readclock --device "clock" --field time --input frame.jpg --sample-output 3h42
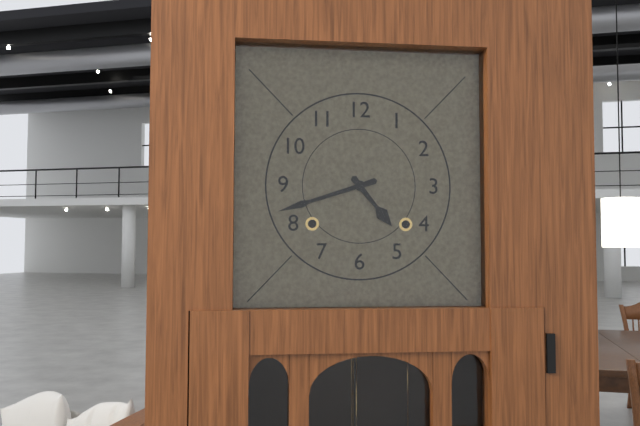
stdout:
4h42
